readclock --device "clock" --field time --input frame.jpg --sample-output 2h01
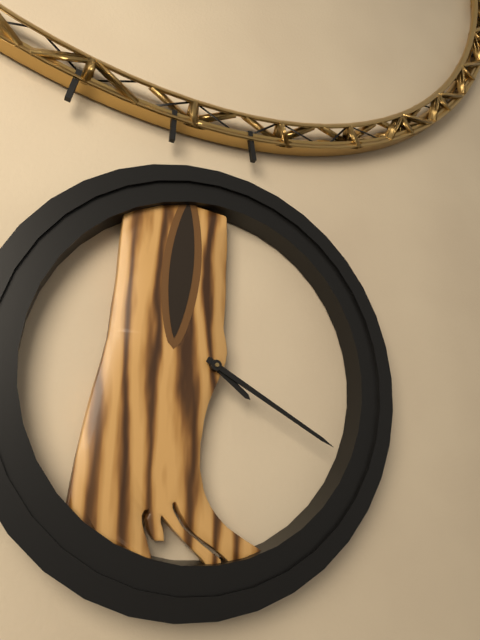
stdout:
4h20
